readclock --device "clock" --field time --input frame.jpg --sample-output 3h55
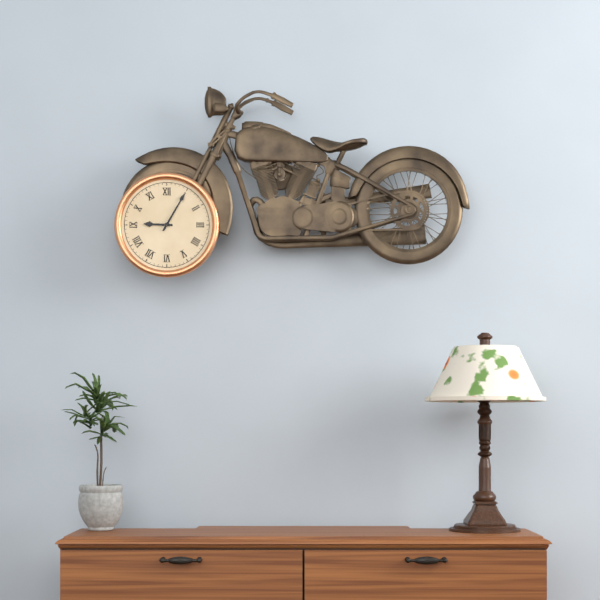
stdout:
9h05
